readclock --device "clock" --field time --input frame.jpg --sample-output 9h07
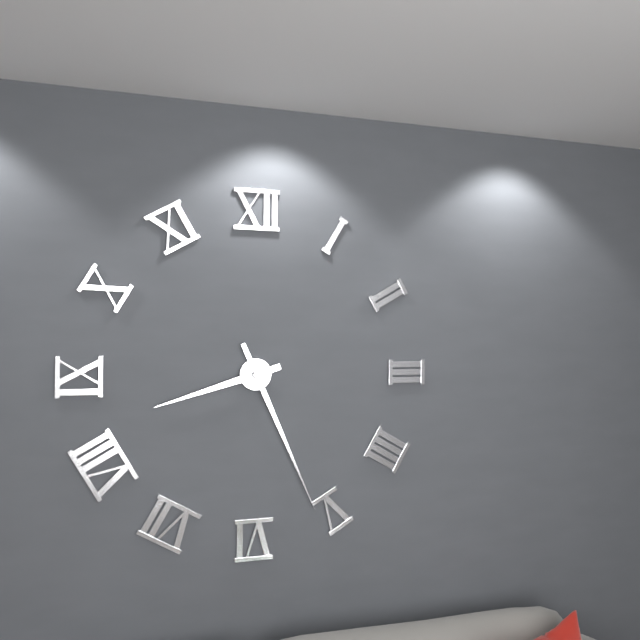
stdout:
8h26
